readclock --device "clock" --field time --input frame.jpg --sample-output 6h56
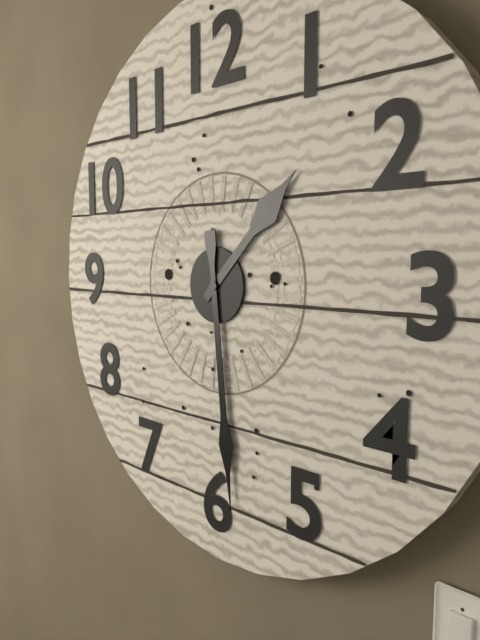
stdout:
1h29
